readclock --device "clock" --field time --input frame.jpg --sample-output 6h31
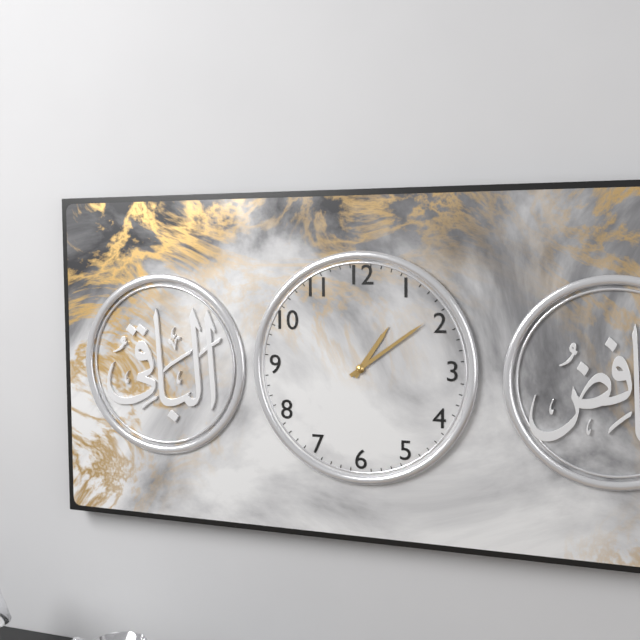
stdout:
1h09
